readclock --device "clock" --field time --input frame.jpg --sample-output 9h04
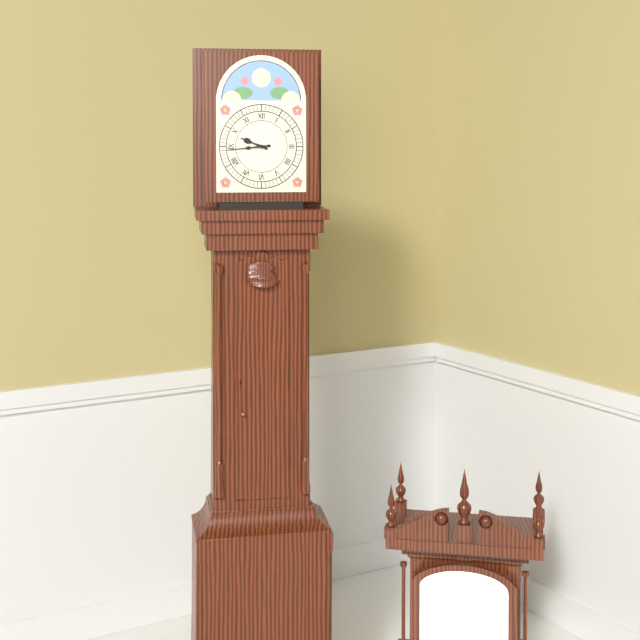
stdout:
9h44
